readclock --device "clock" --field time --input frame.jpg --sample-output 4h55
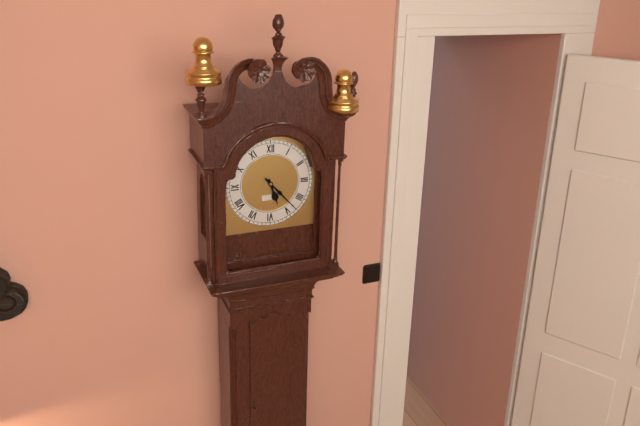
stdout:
5h23
